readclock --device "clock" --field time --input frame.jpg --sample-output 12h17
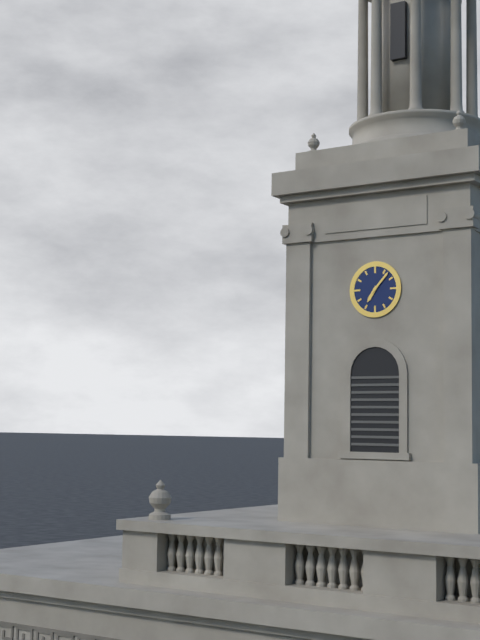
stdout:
7h07
